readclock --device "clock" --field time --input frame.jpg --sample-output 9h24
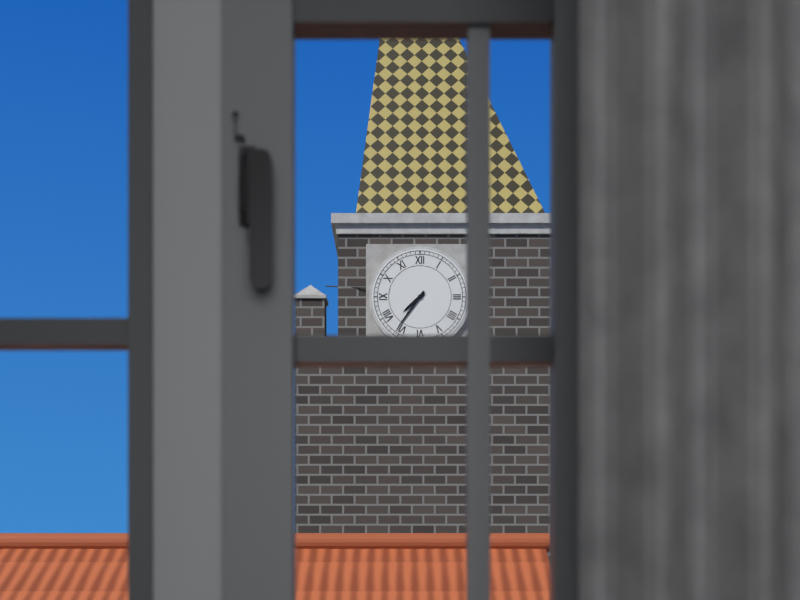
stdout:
7h36
